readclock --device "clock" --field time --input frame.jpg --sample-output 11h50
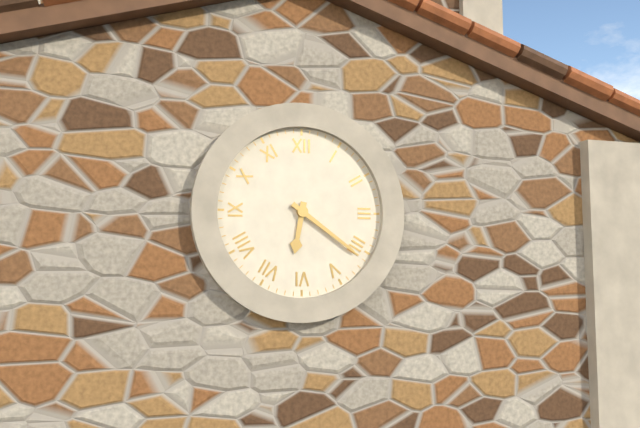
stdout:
6h21
